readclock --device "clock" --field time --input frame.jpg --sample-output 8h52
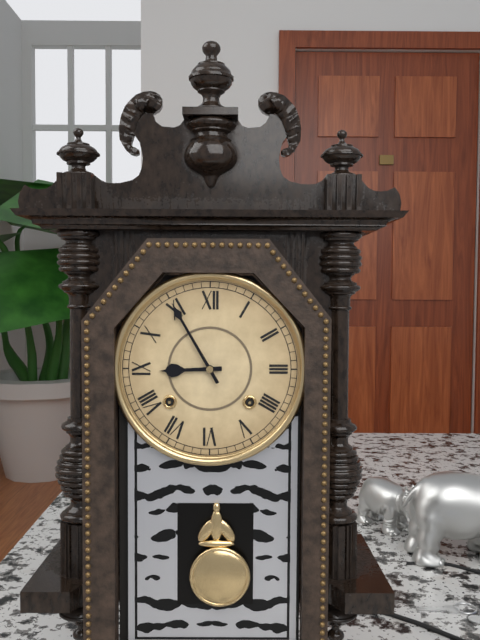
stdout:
8h55
